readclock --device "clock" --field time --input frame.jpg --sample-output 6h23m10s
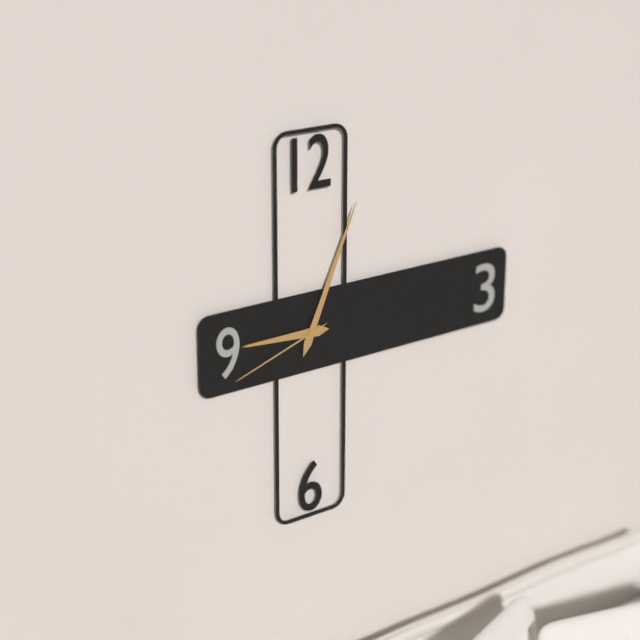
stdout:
9h04m42s
